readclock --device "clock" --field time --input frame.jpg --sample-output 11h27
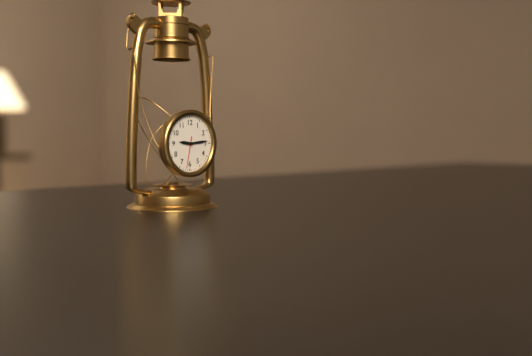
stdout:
9h14
